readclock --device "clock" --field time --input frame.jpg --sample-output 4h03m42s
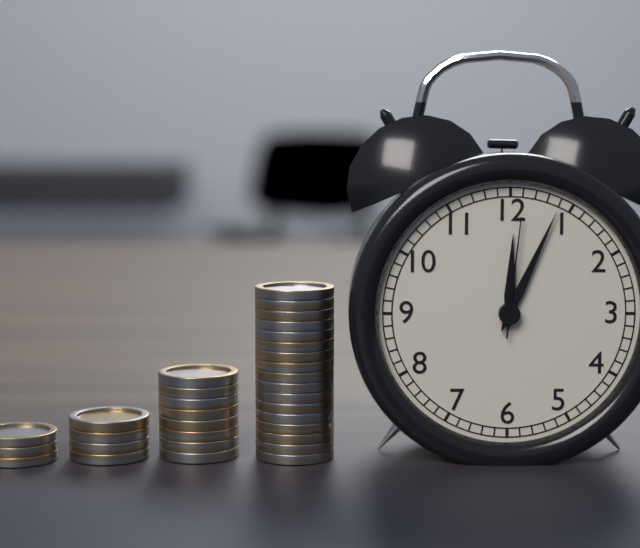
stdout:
12h04m01s
